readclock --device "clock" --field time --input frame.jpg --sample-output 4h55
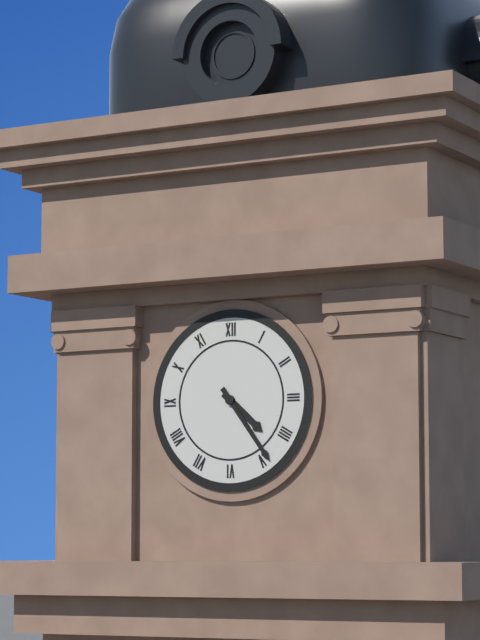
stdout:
4h24
